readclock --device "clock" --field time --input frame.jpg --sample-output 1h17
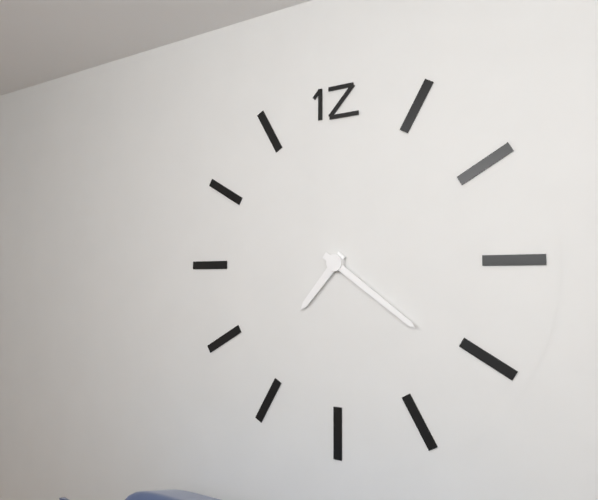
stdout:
7h21
